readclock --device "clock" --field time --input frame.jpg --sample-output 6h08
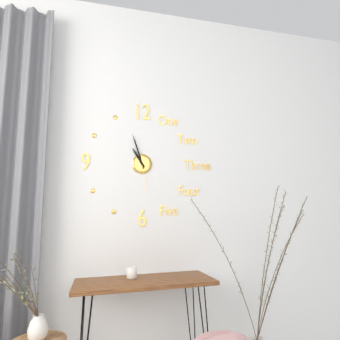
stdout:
10h57
